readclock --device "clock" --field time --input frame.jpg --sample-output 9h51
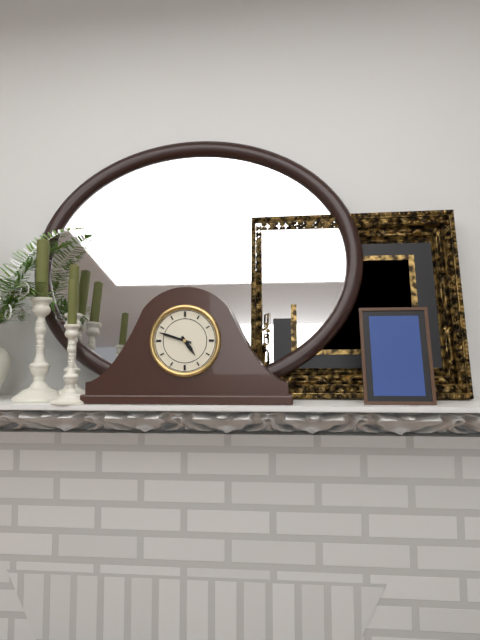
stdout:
4h48
